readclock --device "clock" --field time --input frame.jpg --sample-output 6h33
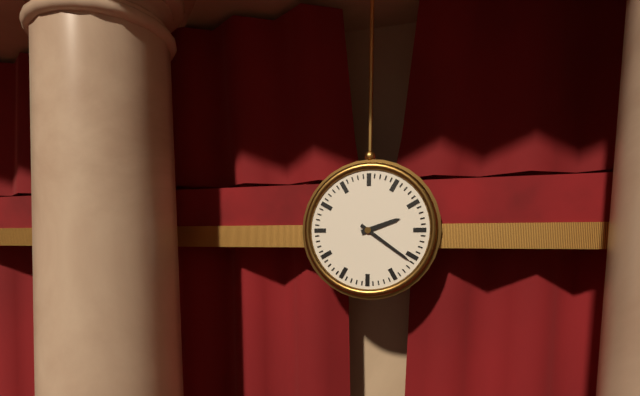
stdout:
2h21
